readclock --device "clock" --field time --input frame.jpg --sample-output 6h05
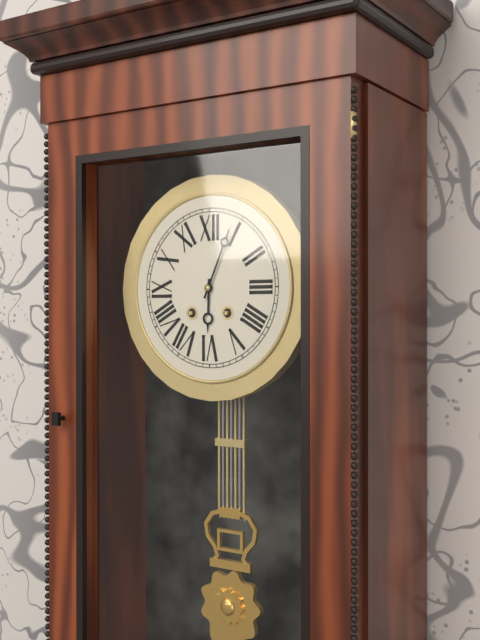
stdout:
6h04
